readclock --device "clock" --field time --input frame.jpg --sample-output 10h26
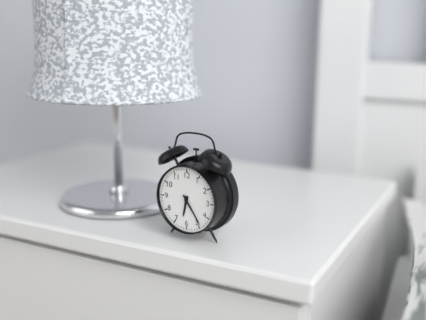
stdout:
6h24
